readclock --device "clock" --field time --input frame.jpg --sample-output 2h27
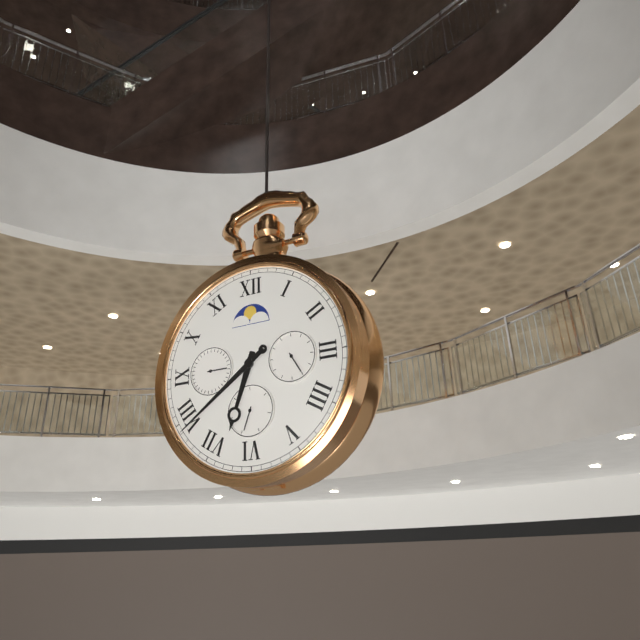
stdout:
6h39
